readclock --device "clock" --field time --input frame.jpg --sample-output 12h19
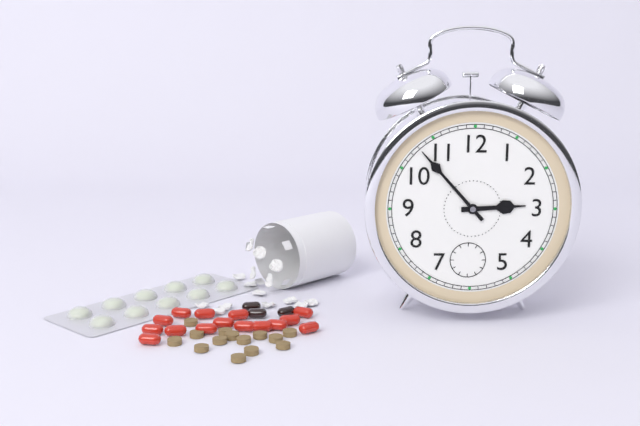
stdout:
2h53
